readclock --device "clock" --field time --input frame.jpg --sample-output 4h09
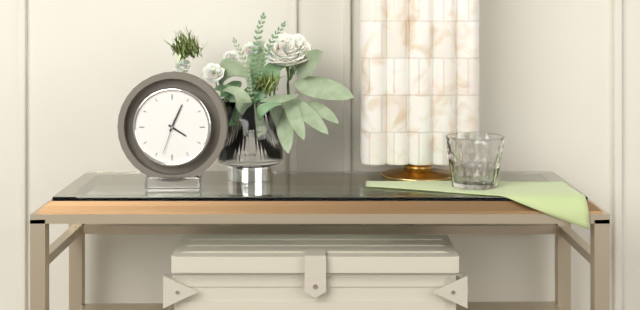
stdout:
4h04
